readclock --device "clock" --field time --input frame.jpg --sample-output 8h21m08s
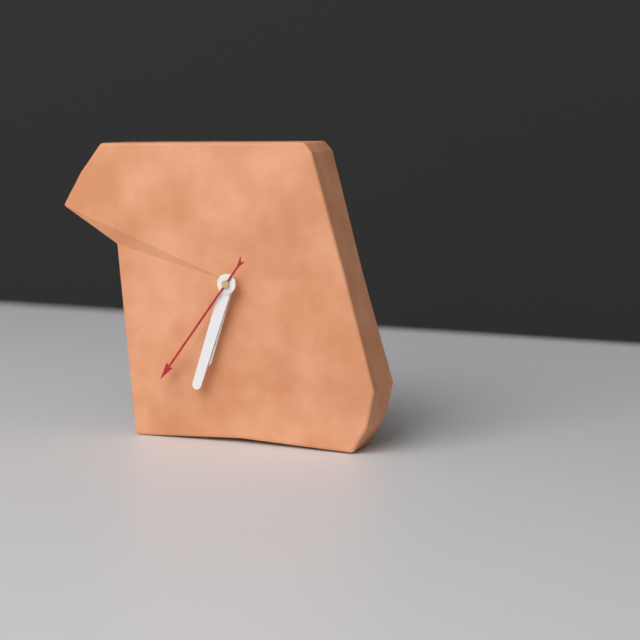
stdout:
6h33m36s
